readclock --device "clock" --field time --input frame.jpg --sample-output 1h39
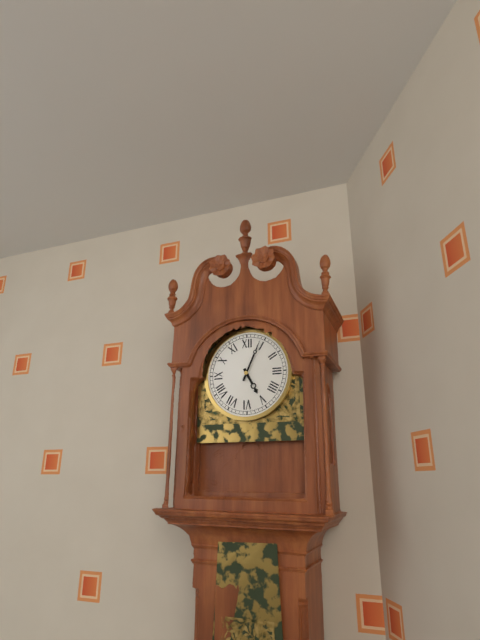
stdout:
5h04
